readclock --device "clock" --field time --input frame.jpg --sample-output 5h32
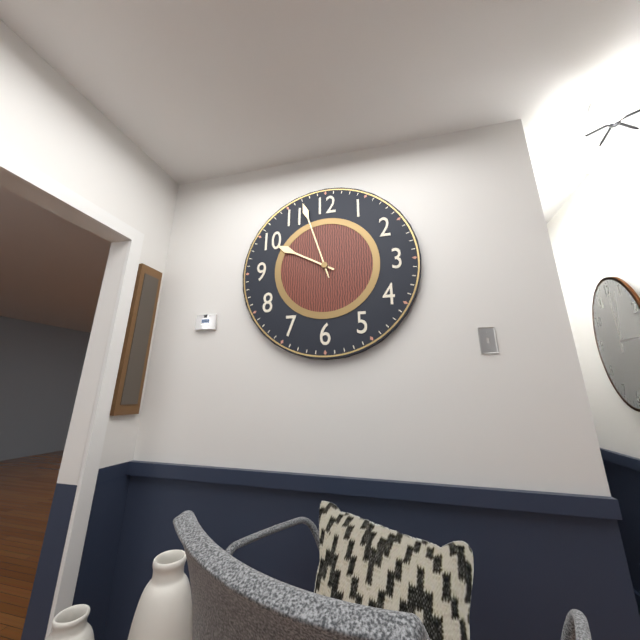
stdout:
9h57
